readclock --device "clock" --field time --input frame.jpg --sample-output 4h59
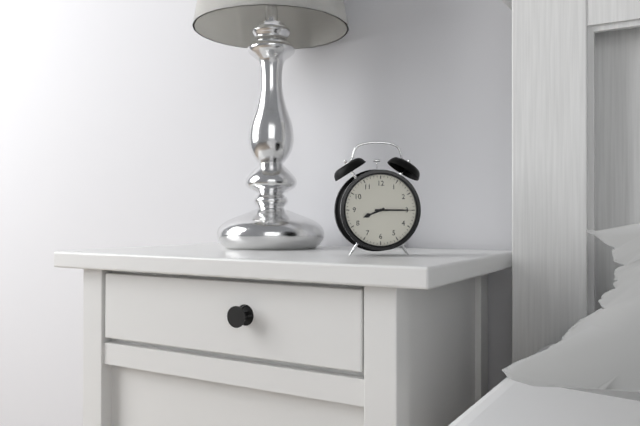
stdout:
8h15
